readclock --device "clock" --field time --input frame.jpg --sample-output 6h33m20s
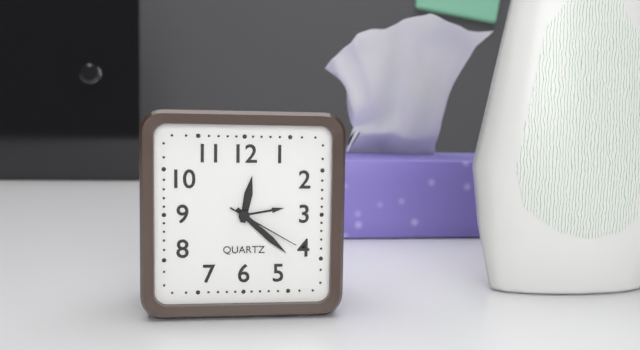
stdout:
12h22m20s
